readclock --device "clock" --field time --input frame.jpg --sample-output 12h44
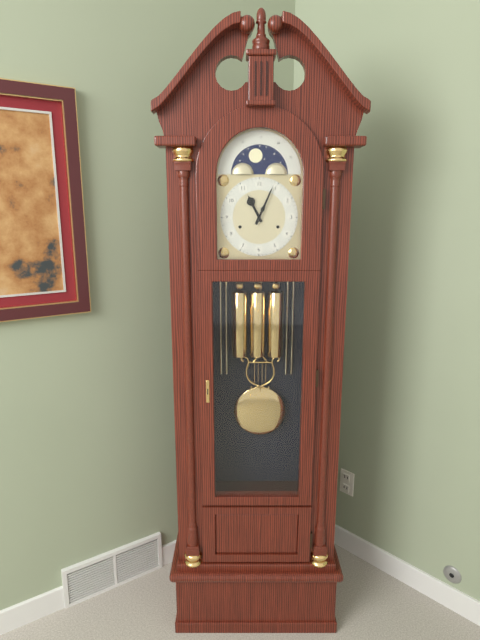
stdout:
11h04
